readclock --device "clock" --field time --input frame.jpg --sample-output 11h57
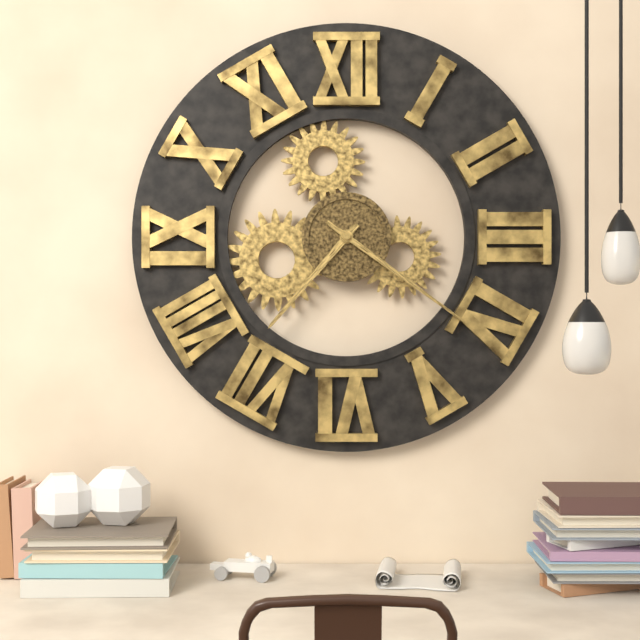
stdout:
7h21
